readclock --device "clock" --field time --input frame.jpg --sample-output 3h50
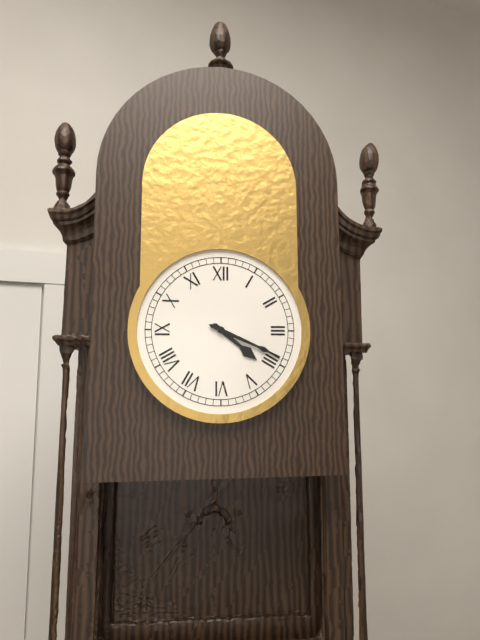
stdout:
4h19
